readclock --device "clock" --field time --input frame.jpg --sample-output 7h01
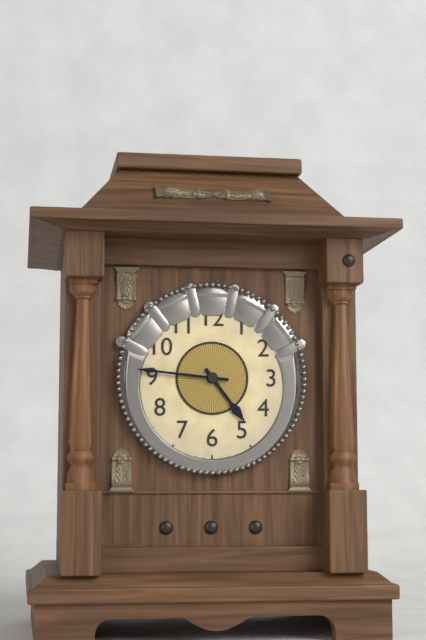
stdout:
4h46
